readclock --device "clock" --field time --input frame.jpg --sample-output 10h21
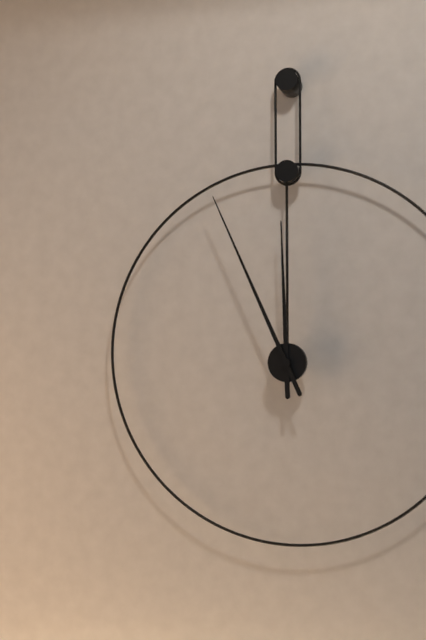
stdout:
11h56
